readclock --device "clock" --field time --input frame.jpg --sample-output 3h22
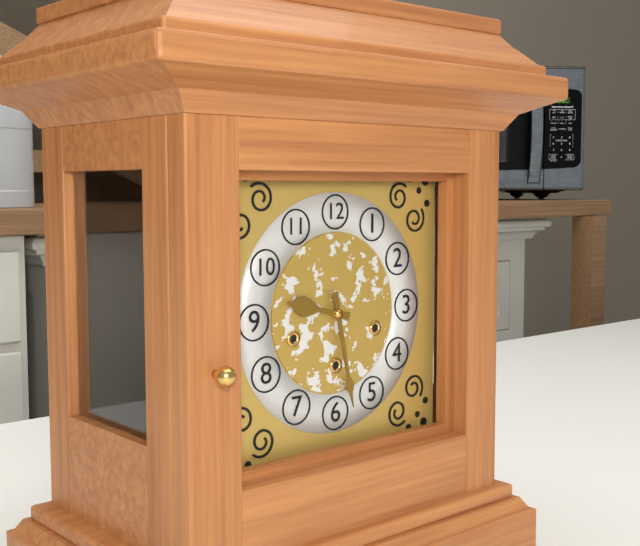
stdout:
9h28
